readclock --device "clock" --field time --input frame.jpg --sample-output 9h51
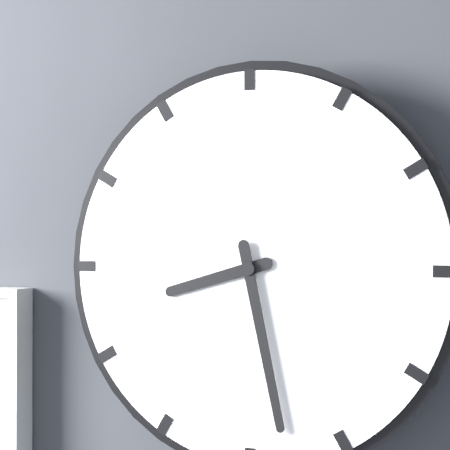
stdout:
8h28
